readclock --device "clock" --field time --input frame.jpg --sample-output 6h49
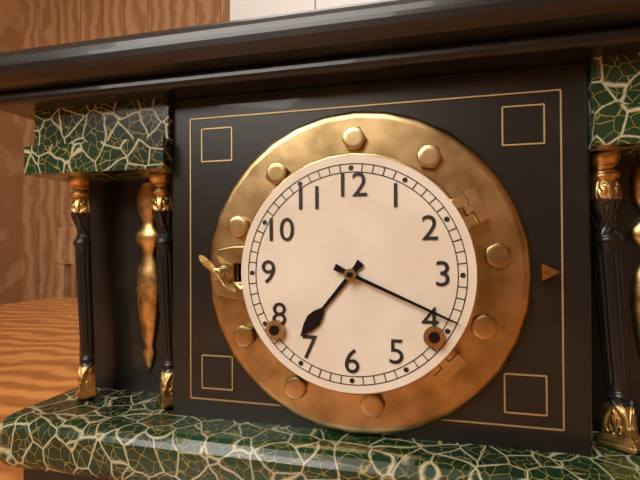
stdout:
7h19
